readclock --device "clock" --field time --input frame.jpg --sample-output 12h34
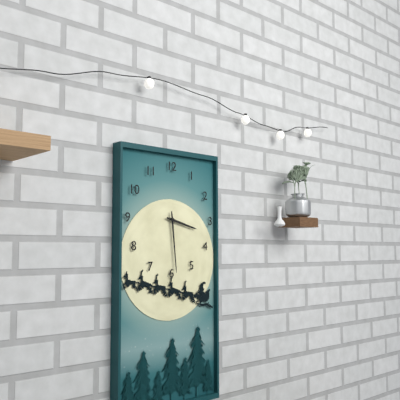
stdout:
3h29
